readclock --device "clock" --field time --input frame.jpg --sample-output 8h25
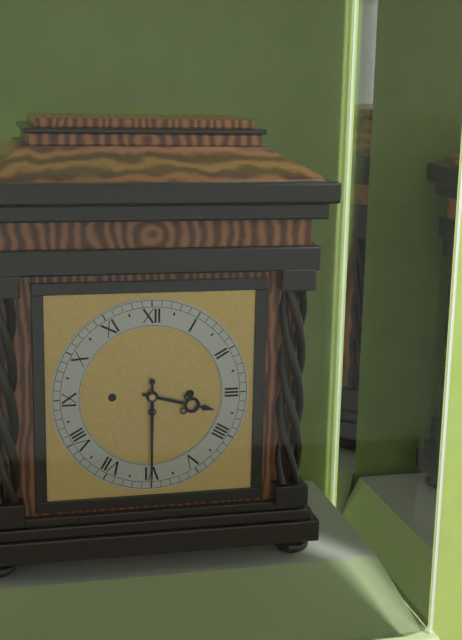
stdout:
3h30
